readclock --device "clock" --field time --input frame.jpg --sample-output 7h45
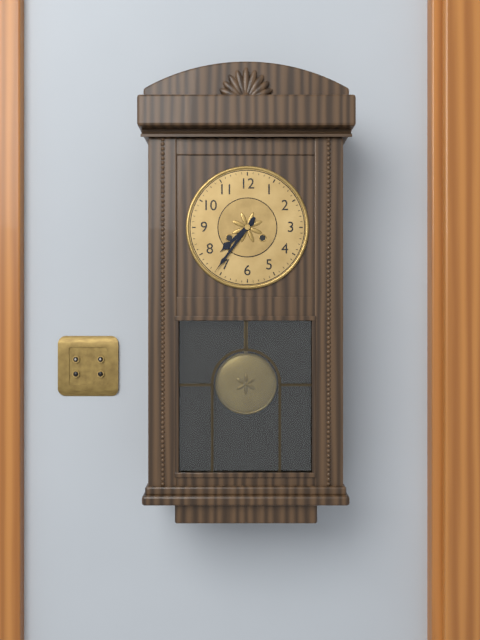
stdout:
7h36
